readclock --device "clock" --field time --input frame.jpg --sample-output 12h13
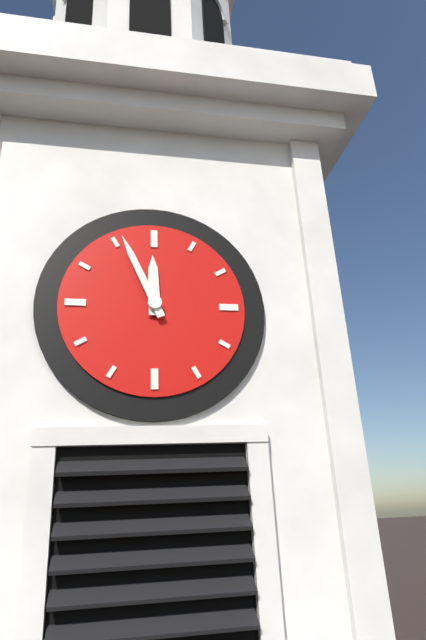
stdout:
11h56
